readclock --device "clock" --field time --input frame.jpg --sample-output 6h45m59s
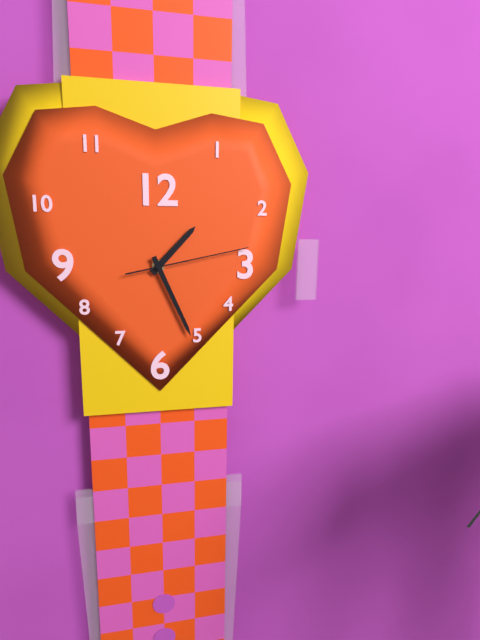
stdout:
1h26m13s
